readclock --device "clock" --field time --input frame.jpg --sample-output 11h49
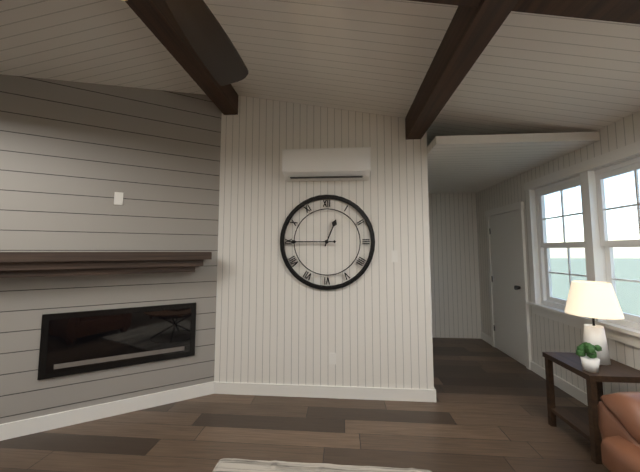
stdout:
12h45
